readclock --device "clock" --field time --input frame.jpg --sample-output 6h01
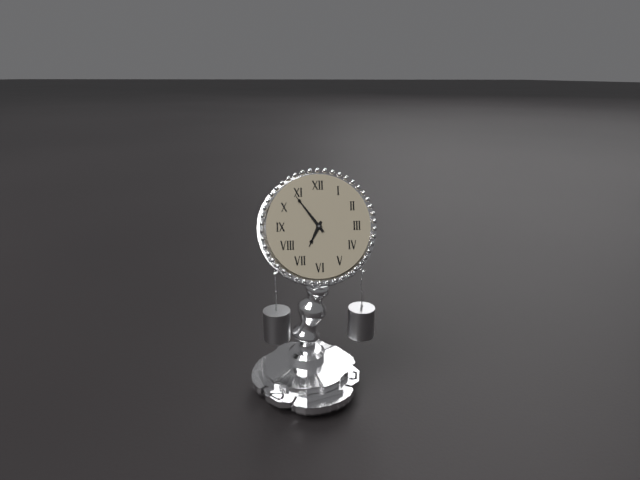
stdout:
6h54
